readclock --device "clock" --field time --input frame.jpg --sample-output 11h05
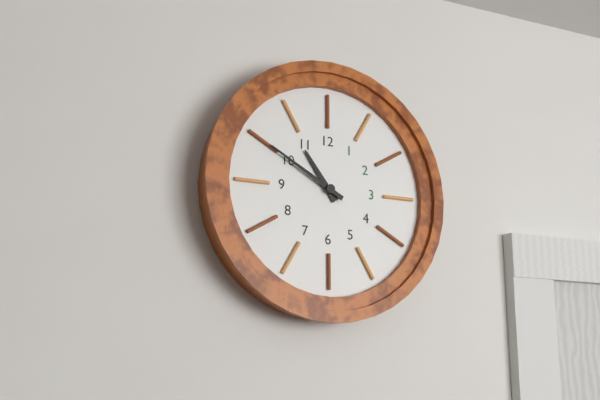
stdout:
10h50
